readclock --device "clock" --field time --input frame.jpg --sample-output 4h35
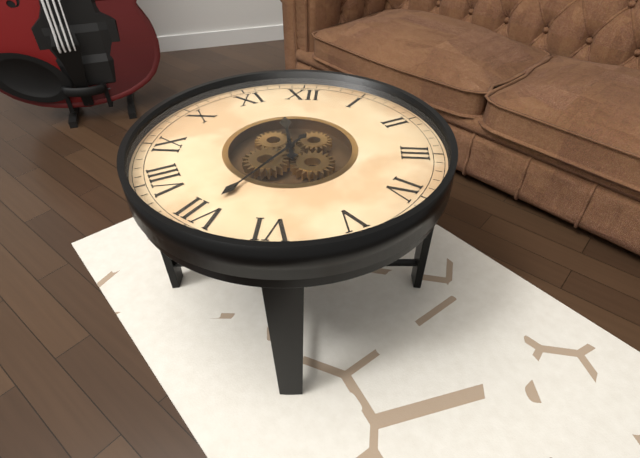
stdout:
11h35
